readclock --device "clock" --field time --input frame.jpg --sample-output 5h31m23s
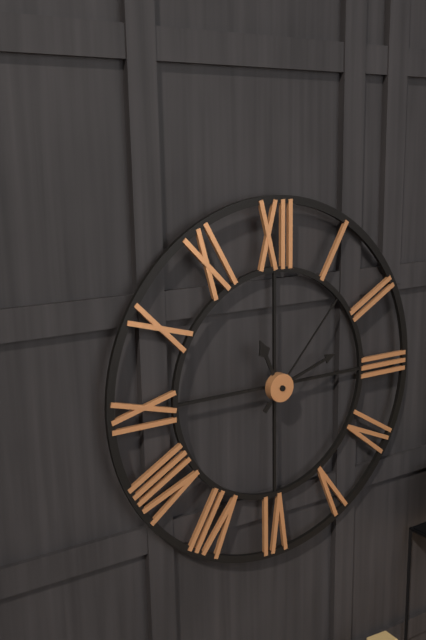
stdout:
11h12m07s
